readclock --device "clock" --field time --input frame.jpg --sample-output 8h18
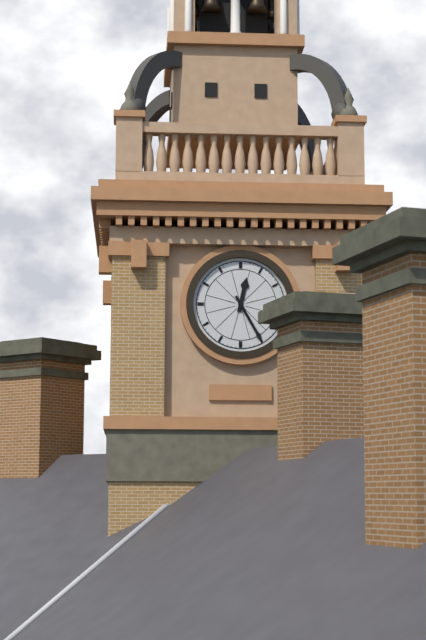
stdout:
12h25
